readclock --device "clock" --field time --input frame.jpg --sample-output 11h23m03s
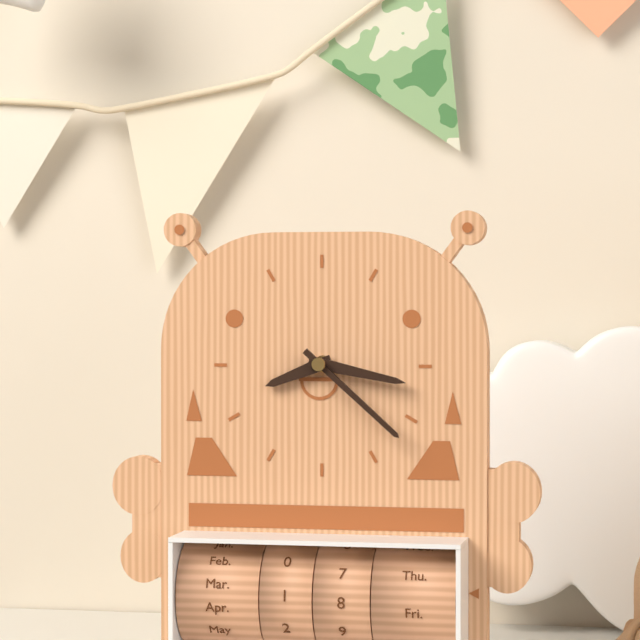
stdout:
8h17m22s
